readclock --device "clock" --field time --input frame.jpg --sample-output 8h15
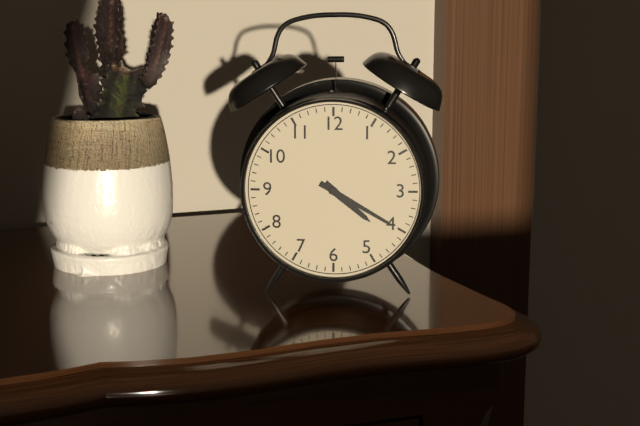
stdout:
4h20
